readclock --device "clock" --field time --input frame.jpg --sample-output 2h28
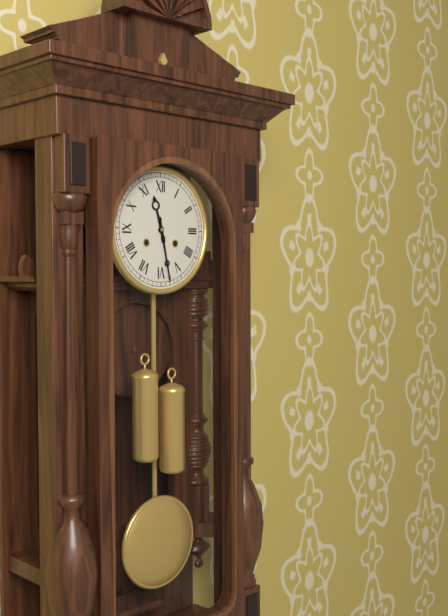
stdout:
11h28
